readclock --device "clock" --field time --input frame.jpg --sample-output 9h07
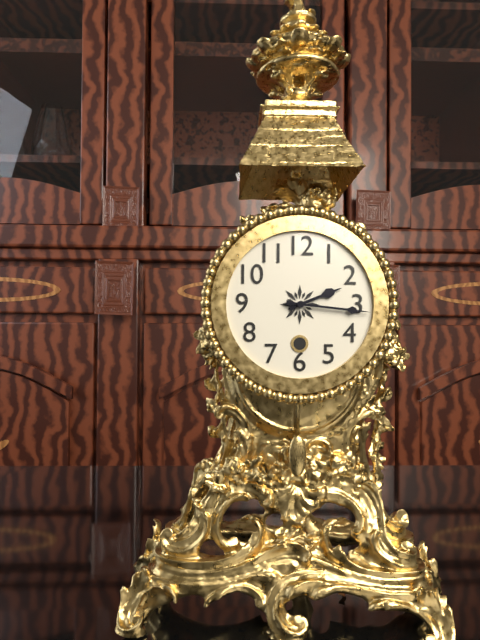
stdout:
2h16
